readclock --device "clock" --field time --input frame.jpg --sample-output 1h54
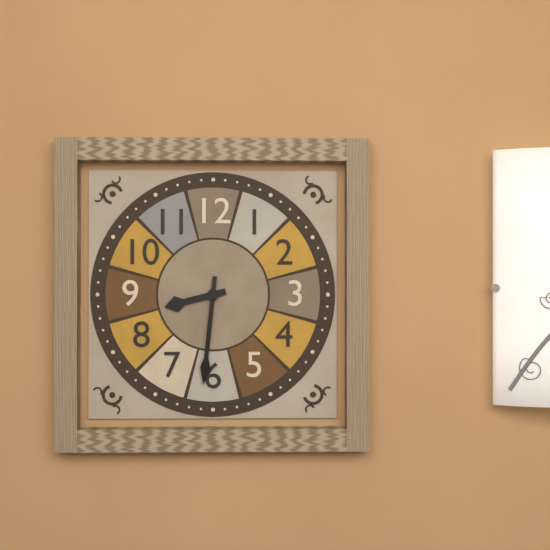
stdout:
8h31
